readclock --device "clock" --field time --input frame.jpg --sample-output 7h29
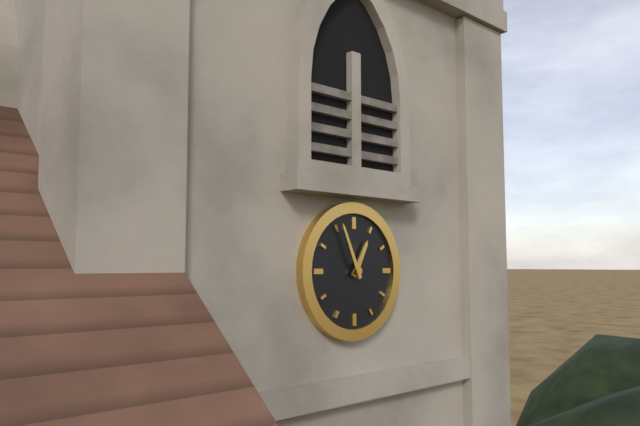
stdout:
12h56
